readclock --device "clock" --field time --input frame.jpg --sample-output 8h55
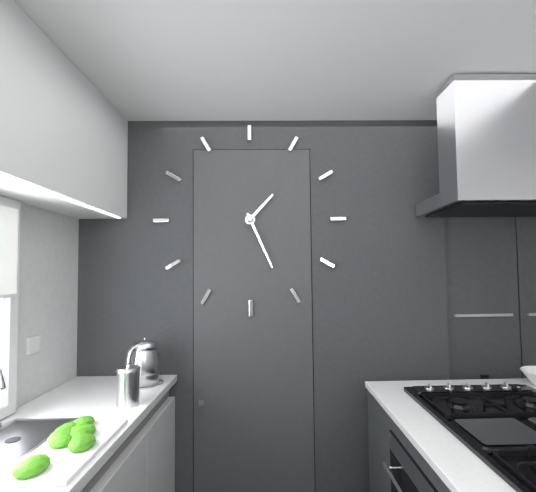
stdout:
1h26
